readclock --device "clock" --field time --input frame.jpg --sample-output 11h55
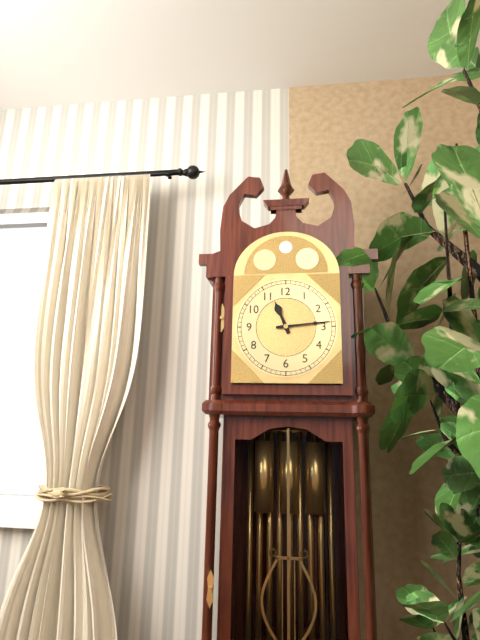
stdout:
11h14
